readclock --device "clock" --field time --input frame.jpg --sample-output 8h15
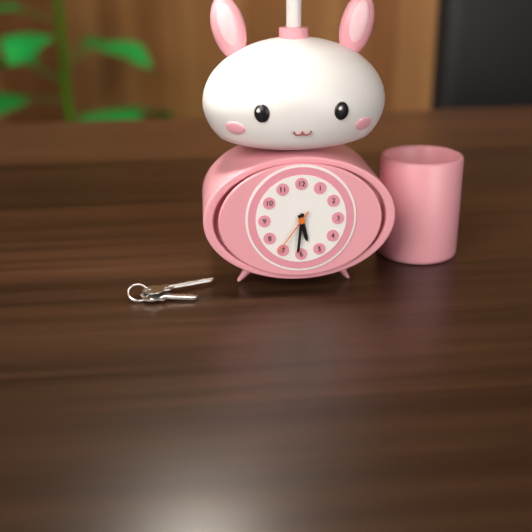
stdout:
5h31
